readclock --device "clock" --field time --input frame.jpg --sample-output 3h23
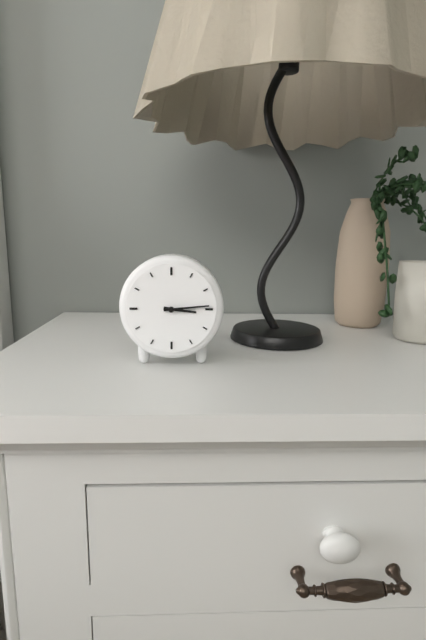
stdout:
3h14
